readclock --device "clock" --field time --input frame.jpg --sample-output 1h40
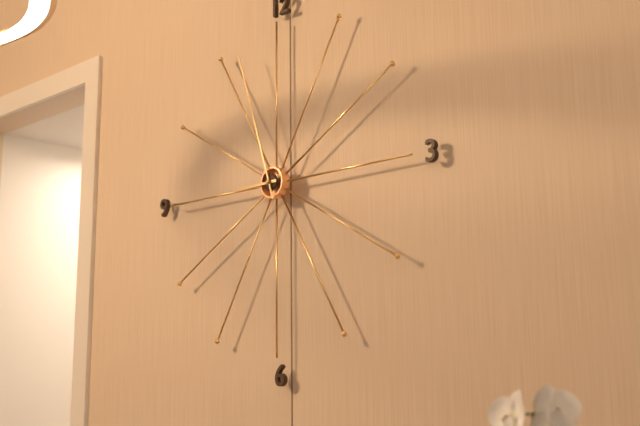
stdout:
8h57
